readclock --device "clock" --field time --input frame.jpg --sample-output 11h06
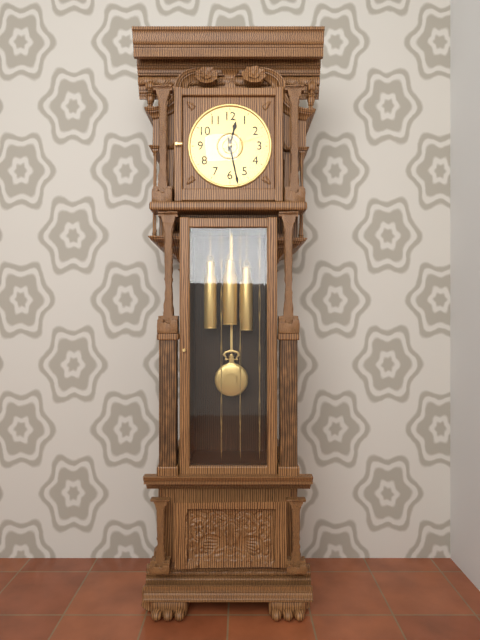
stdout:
12h28
